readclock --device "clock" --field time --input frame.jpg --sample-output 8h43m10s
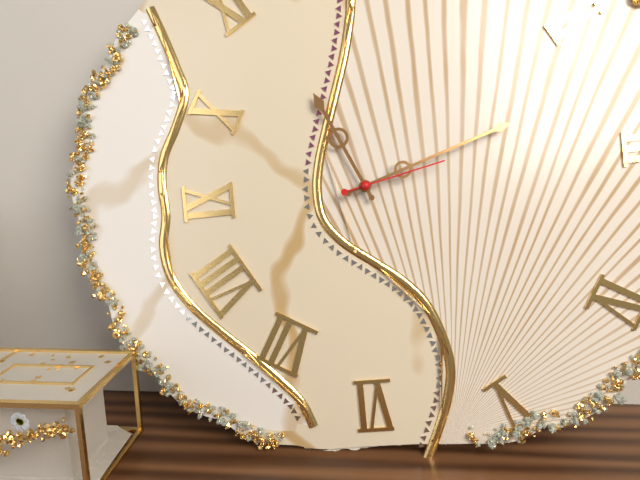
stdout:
11h12m13s
